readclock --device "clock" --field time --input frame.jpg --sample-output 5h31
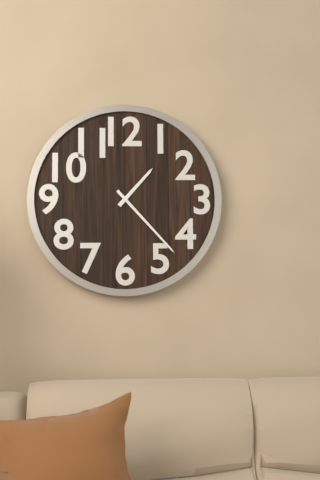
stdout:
1h23
